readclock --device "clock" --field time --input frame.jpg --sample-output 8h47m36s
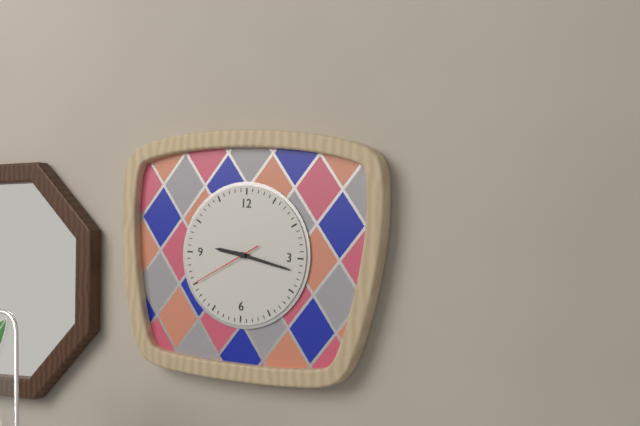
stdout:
9h17m40s
